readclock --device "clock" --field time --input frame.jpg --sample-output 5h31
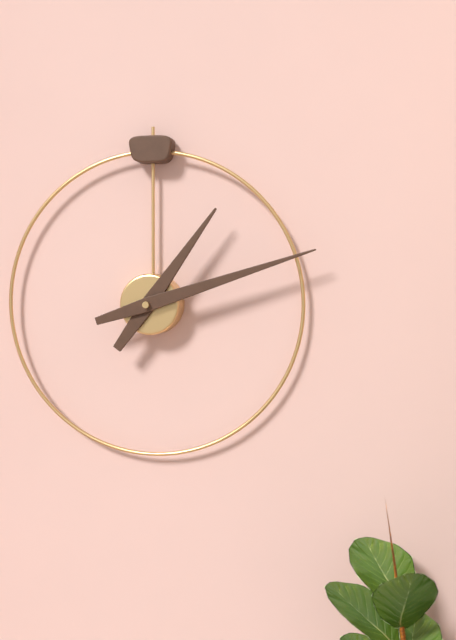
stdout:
1h12
